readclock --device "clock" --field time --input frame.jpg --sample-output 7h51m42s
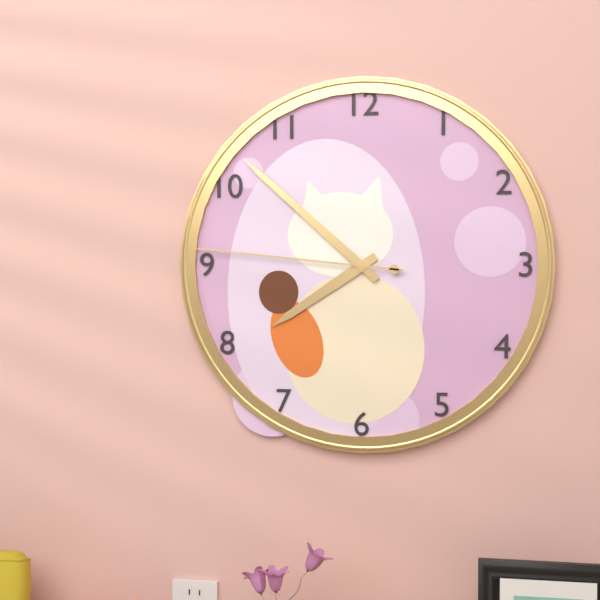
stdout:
7h52m46s
